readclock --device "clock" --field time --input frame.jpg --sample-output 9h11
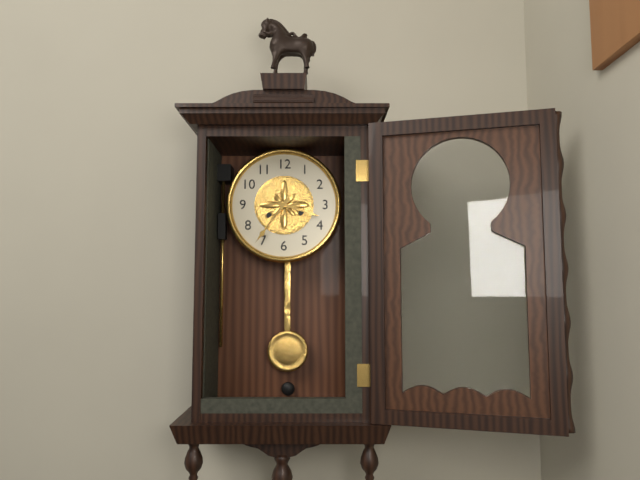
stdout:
3h36
